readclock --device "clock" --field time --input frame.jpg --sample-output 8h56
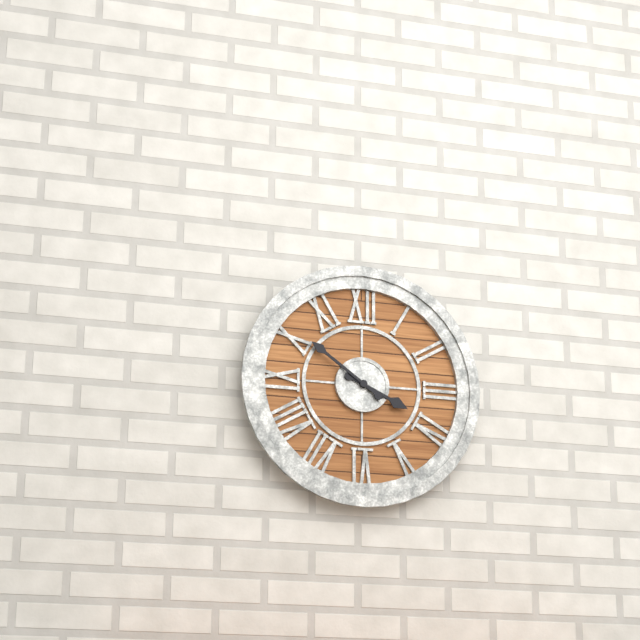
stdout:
3h51
